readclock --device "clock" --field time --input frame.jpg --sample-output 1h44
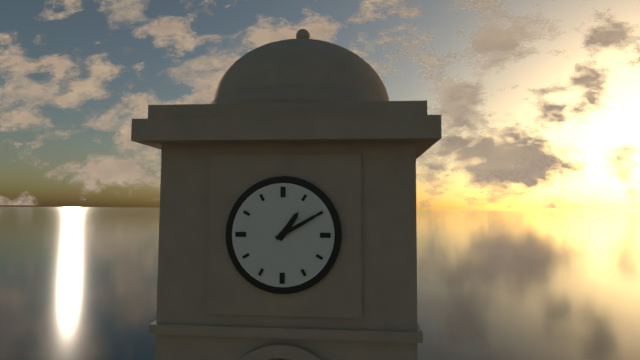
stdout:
1h10
